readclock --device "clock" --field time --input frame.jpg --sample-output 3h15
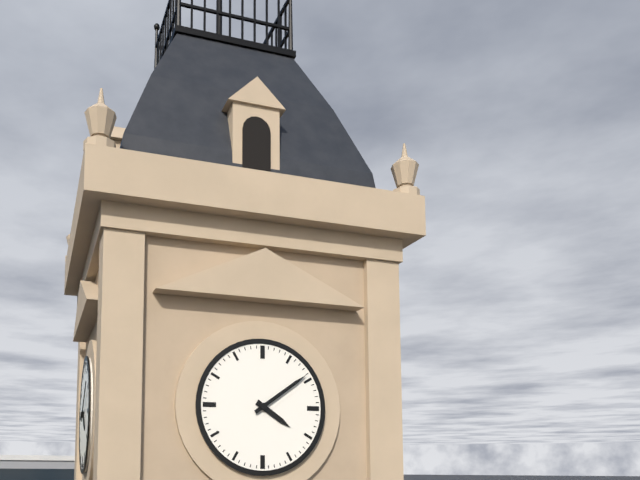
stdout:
4h09
